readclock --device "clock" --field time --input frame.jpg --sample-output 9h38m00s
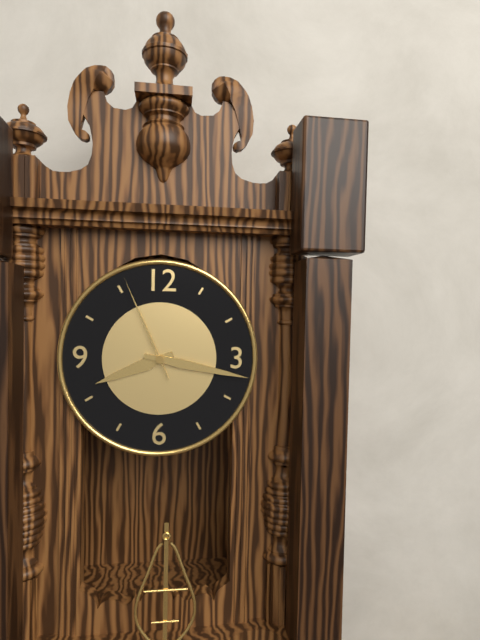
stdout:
8h17m56s
